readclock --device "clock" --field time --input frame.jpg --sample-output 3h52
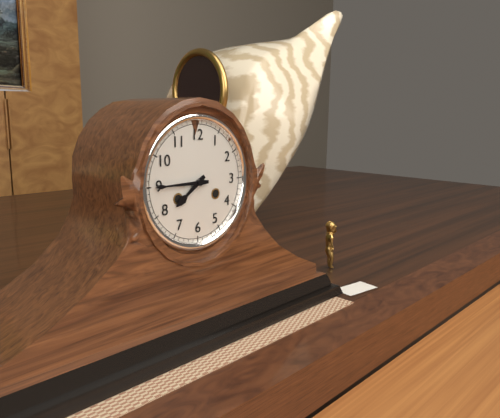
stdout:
7h45
